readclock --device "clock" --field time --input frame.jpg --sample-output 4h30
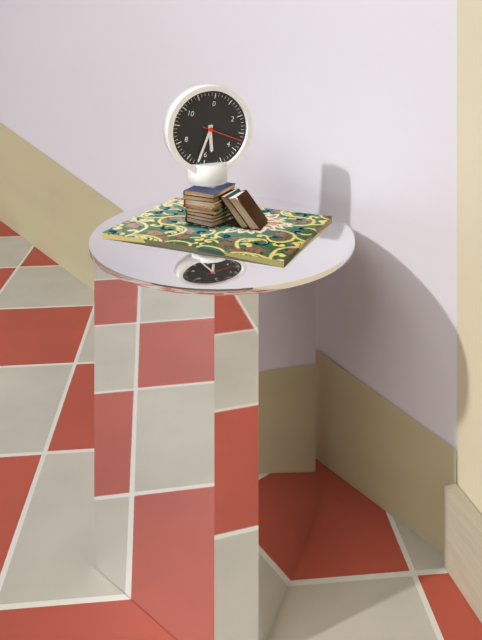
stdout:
5h32
